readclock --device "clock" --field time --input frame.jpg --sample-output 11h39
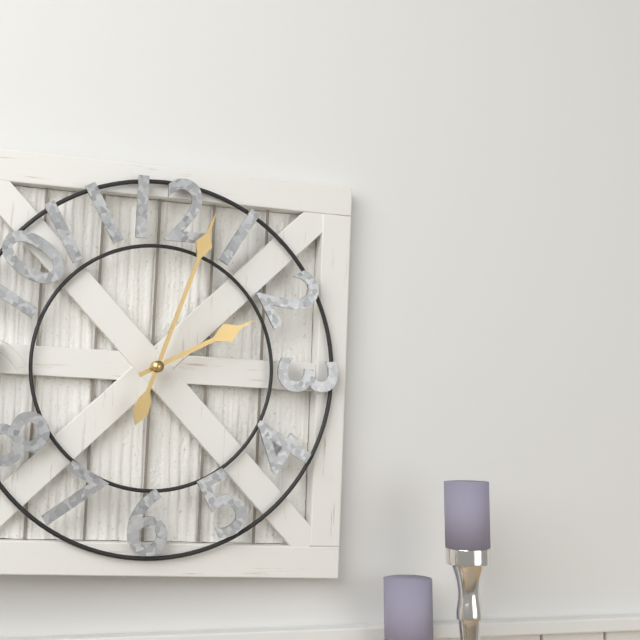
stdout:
2h03
